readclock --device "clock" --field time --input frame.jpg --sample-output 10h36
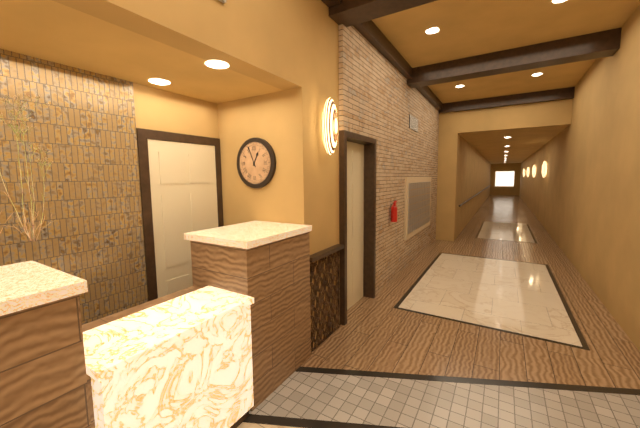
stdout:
12h56
